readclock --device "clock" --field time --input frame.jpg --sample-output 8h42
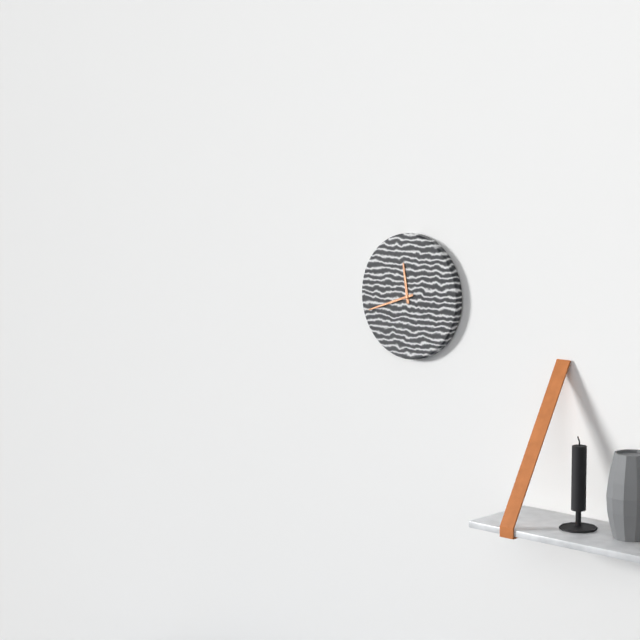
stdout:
11h42
